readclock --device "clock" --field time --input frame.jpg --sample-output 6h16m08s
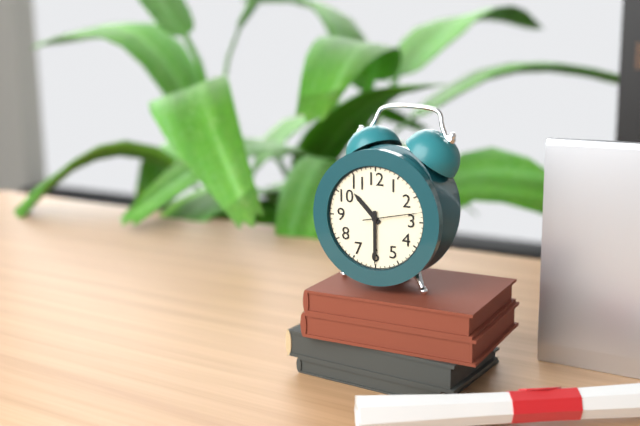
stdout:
10h30m13s
